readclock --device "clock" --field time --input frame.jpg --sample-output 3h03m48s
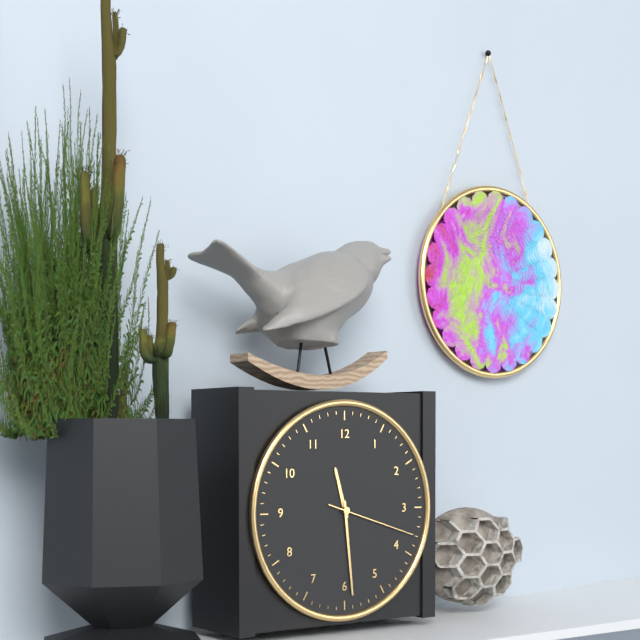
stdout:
11h29m18s
